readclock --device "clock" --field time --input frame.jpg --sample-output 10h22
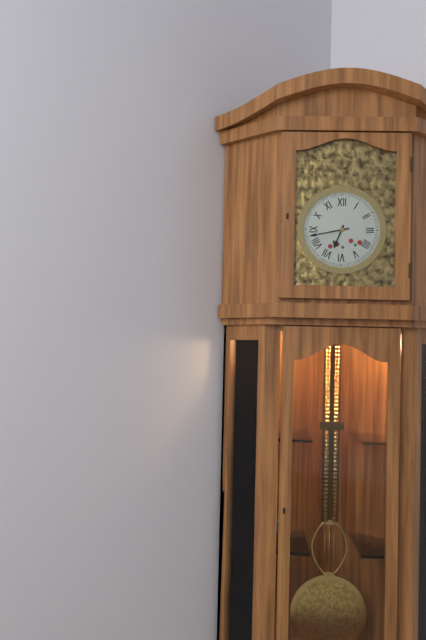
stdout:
6h43
